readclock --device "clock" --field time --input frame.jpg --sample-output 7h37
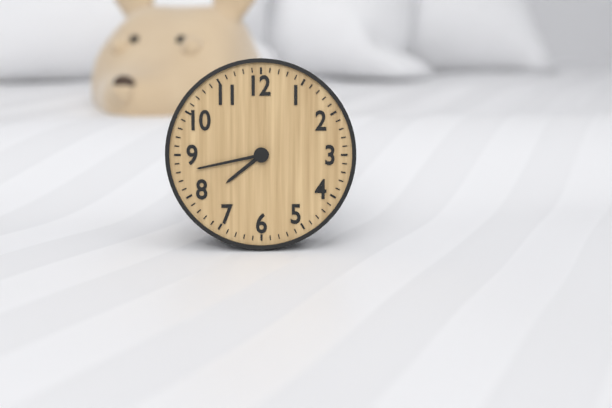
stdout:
7h43
